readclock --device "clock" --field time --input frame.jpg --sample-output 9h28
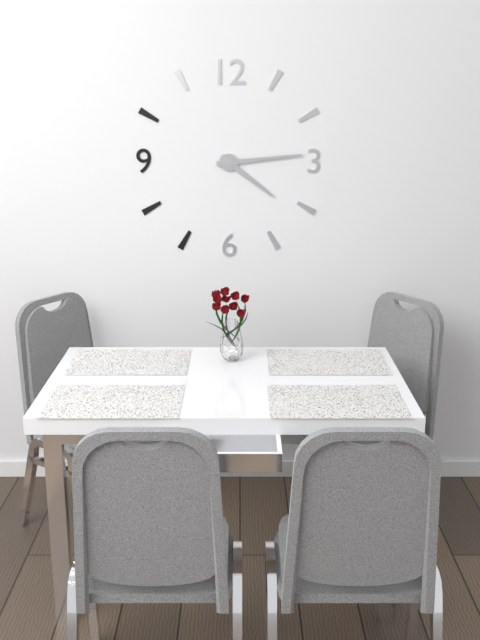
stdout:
4h14
